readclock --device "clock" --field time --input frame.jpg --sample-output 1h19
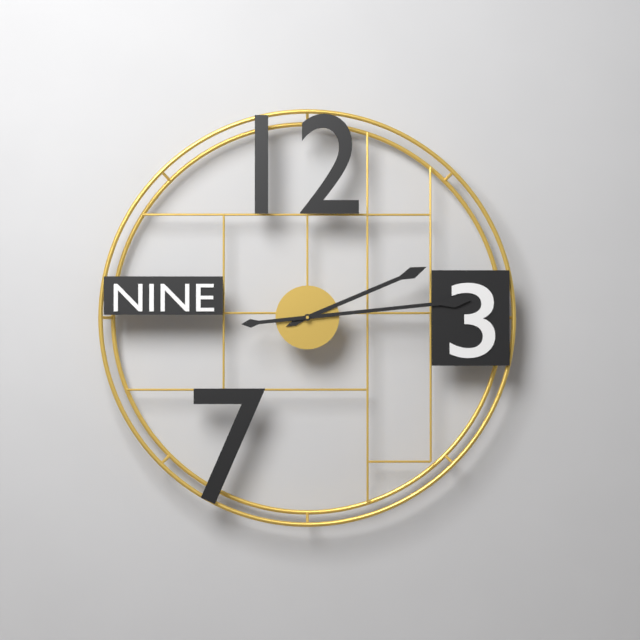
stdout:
2h14
